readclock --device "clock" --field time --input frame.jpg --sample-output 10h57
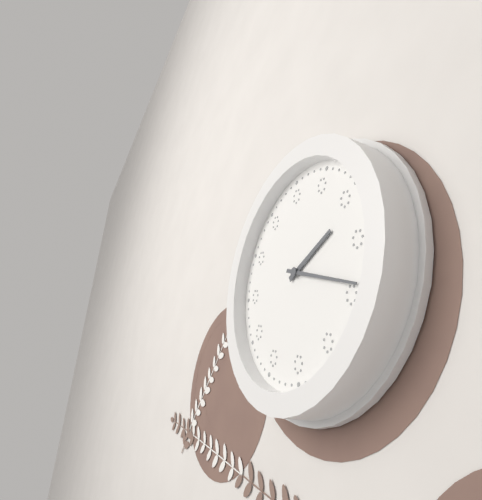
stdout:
2h19
